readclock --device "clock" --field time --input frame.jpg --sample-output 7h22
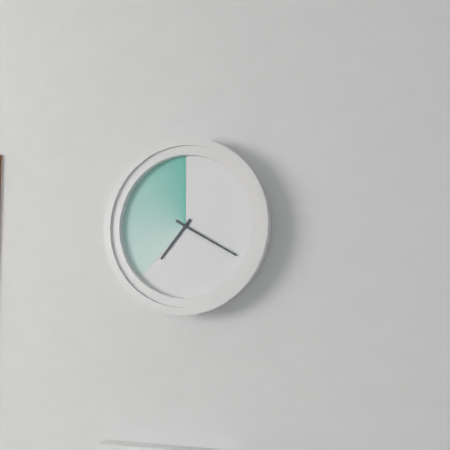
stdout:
7h20
